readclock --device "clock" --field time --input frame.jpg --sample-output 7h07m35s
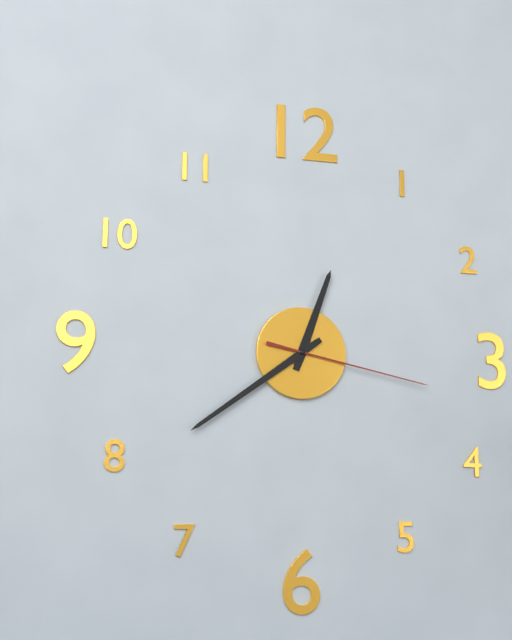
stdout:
12h39m17s
